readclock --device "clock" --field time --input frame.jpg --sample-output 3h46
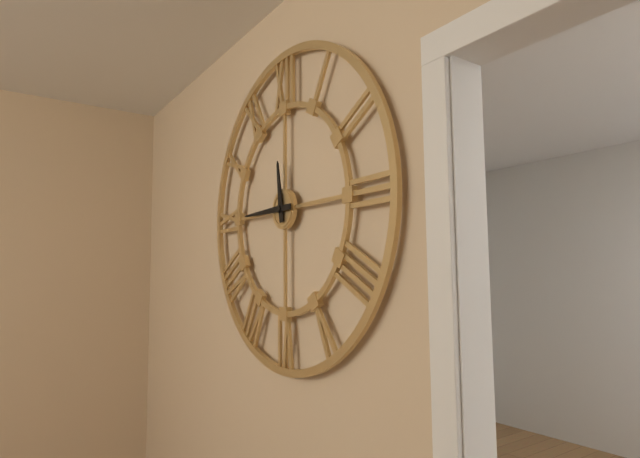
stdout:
11h45
